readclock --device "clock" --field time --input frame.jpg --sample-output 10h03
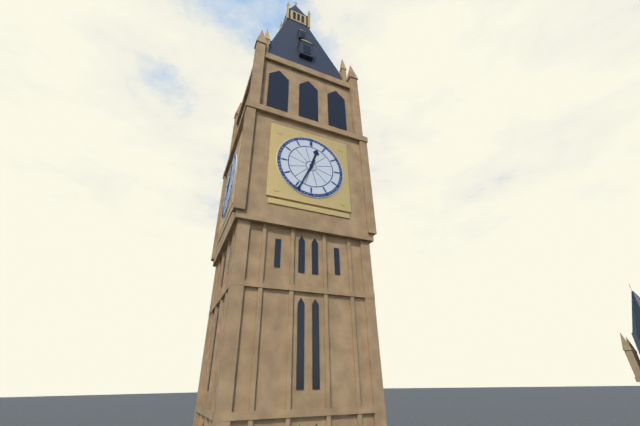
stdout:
12h34
